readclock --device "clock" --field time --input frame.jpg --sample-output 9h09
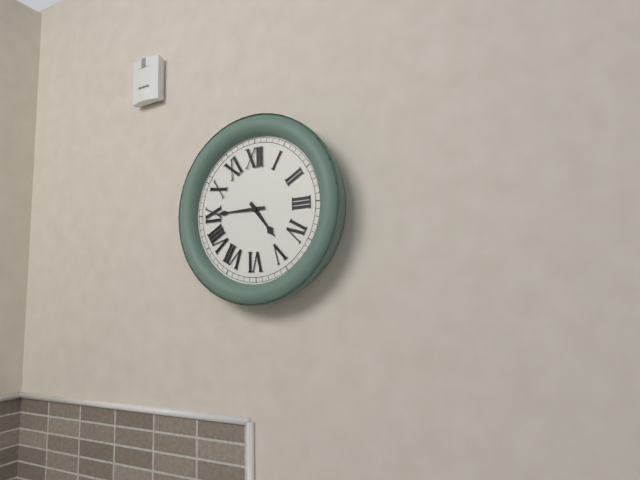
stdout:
4h45
